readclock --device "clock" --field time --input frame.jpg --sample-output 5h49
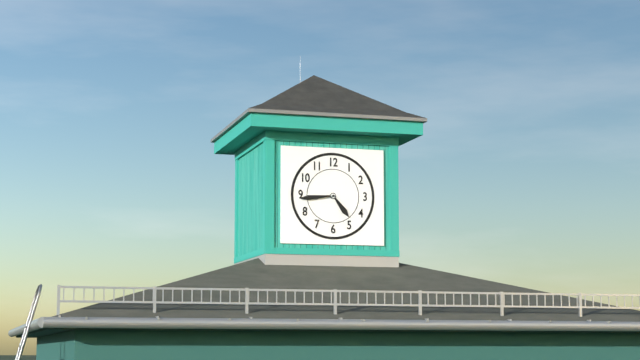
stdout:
4h44
